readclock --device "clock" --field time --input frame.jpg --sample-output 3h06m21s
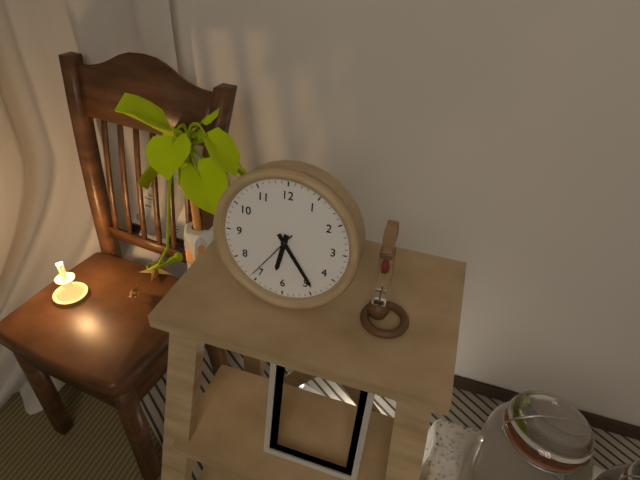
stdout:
6h24m36s
